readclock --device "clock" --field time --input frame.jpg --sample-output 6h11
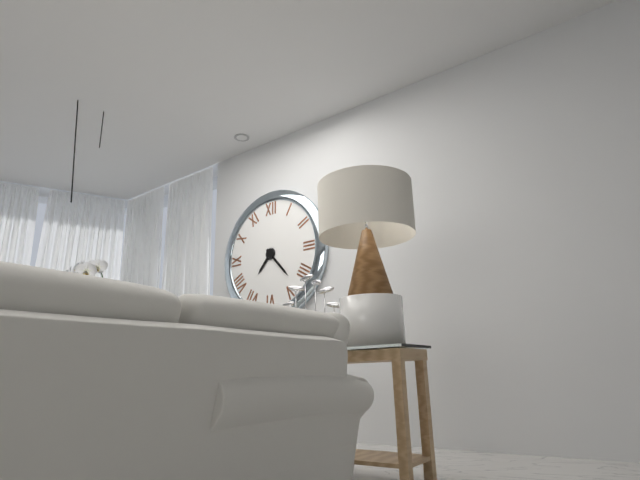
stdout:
7h23
